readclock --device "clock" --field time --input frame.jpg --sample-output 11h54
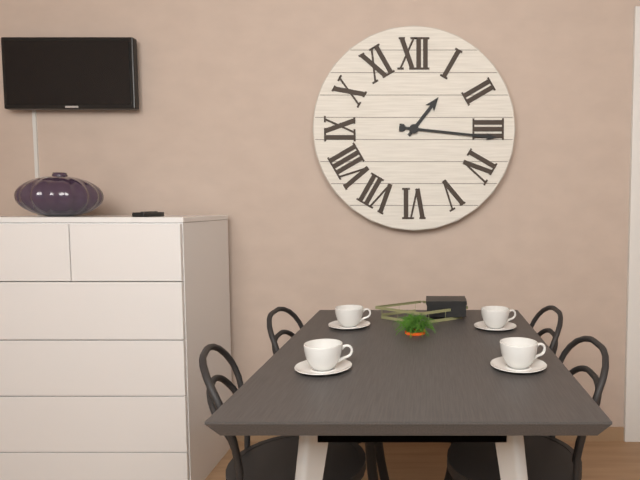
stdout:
1h16
